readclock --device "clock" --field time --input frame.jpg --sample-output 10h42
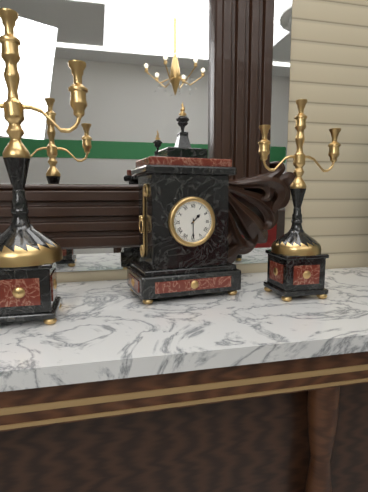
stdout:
1h30
